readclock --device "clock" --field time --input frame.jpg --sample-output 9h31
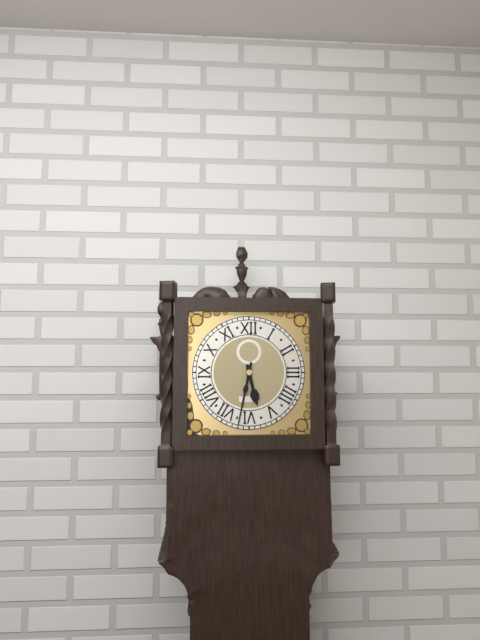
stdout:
5h32
